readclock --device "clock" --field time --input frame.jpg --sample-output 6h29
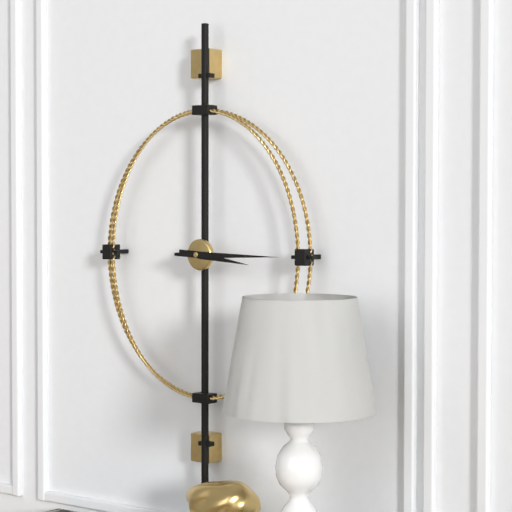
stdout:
3h15
